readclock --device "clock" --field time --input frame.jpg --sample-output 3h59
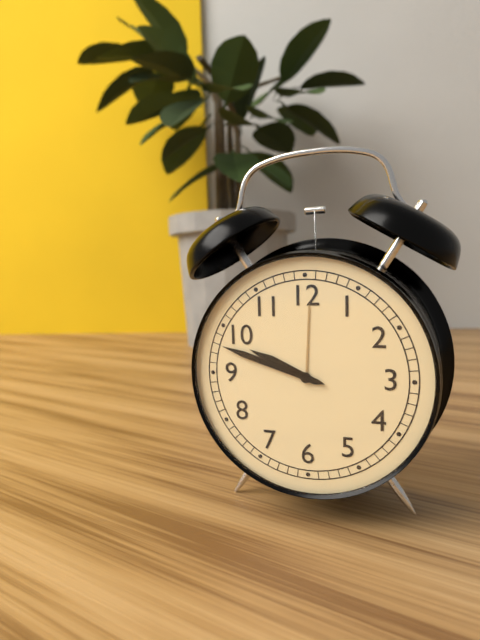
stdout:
9h48
